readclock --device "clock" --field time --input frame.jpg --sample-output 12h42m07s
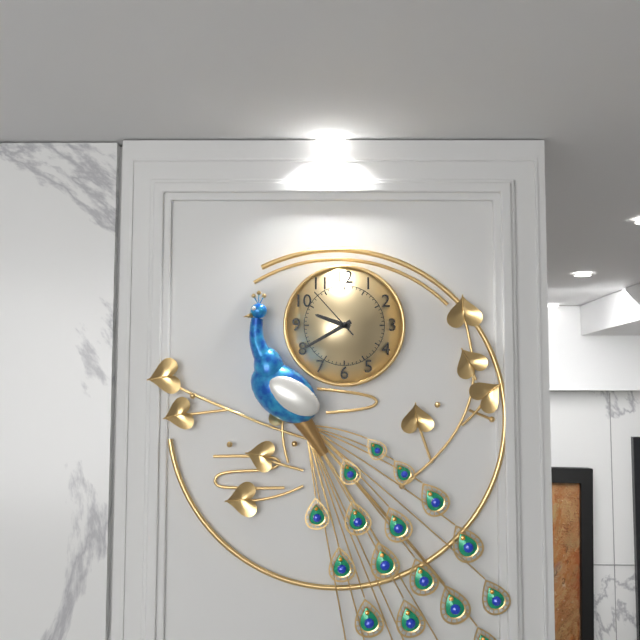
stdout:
9h40m53s
